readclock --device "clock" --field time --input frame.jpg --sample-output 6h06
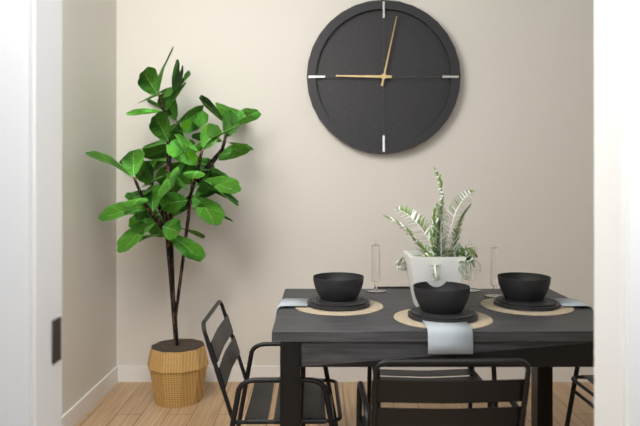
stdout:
9h02
